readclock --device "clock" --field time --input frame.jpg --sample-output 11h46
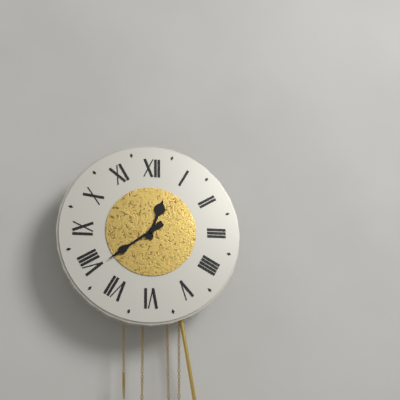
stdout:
12h39
